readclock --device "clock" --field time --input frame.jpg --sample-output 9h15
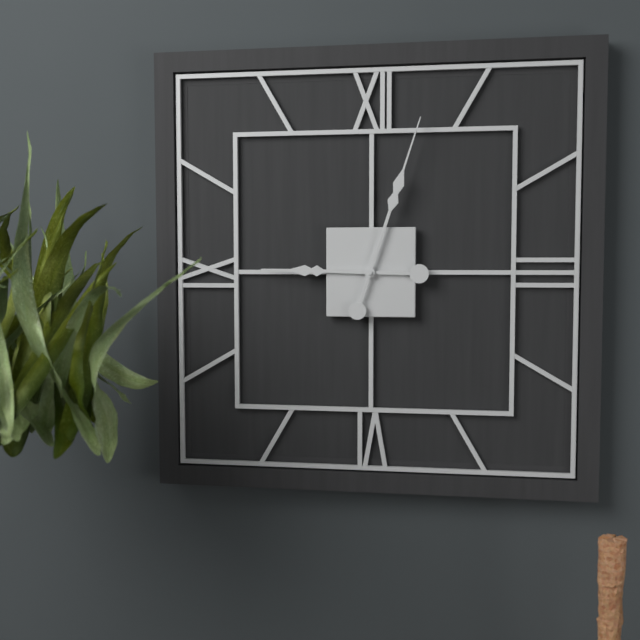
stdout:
9h03
